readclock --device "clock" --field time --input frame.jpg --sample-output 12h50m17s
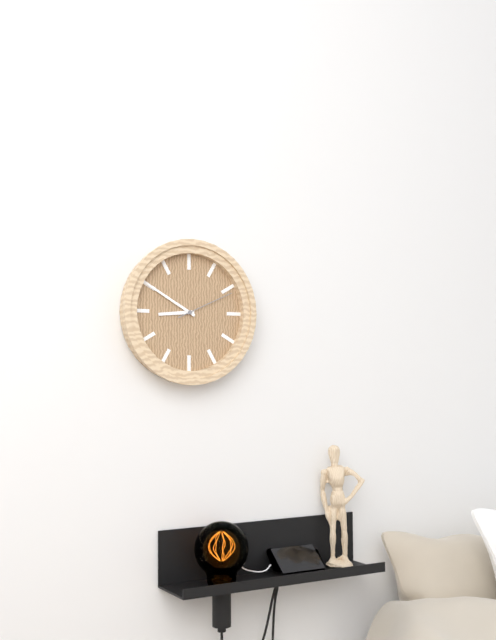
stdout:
8h50m11s
